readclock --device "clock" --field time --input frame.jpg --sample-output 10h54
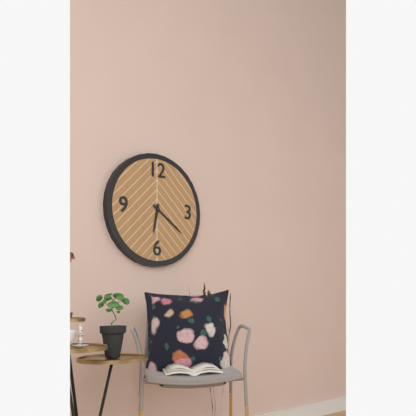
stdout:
6h21
